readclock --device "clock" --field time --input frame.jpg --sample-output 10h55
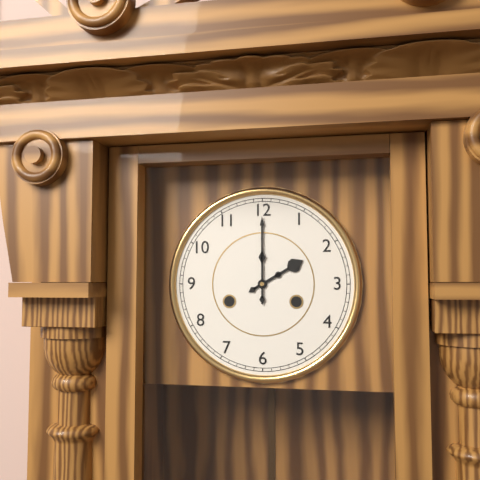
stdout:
2h00
